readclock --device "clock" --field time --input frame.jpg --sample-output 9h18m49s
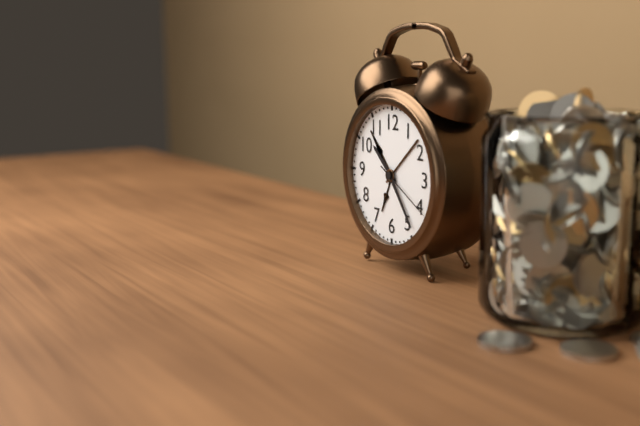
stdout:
10h24m20s
